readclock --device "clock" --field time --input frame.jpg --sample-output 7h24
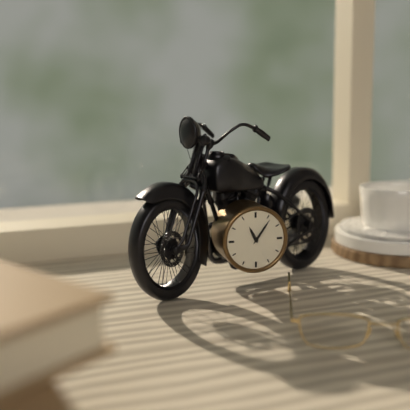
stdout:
11h06
